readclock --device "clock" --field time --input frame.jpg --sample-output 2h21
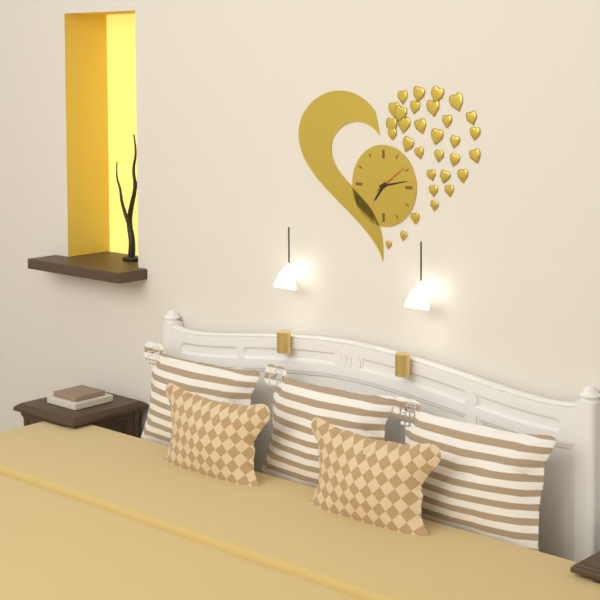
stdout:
7h13
